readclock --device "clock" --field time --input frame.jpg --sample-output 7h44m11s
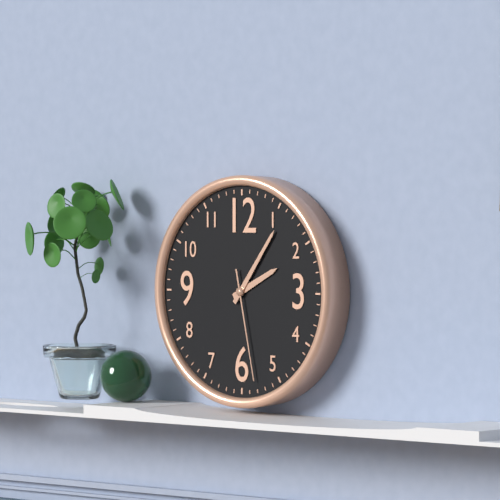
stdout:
2h06m28s
